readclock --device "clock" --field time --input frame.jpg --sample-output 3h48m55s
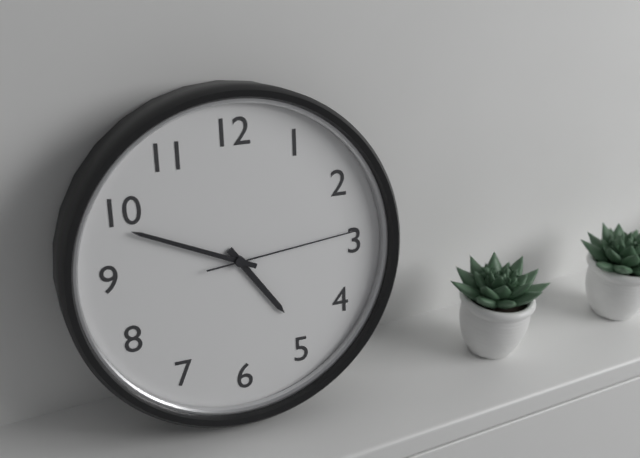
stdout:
4h49m14s
